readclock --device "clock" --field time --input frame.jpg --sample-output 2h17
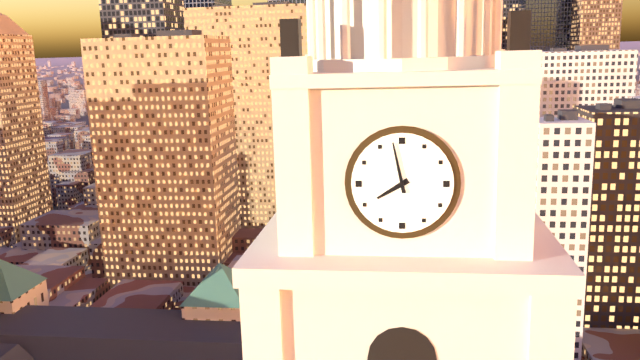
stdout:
7h58
